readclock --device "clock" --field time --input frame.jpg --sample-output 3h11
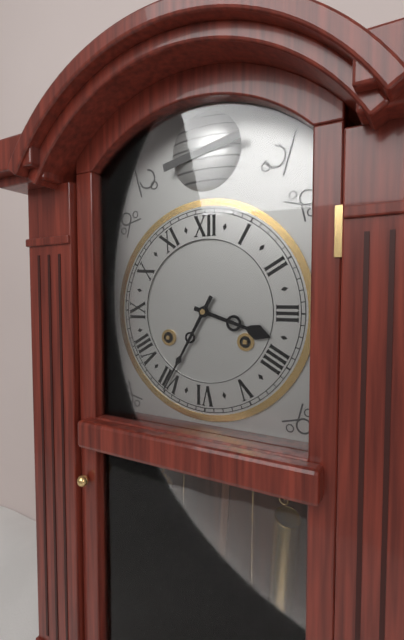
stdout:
3h35
